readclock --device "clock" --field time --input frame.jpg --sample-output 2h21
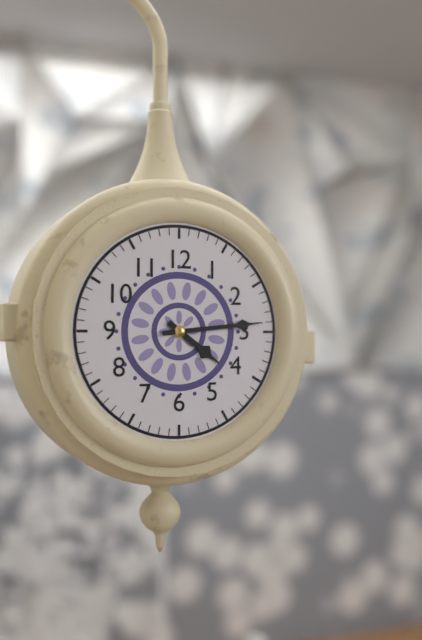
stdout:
4h14
